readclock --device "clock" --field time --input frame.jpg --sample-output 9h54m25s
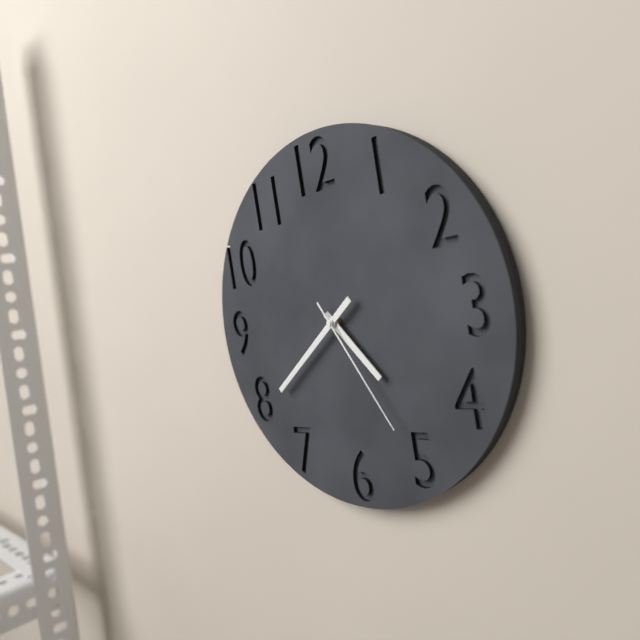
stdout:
4h39m25s
